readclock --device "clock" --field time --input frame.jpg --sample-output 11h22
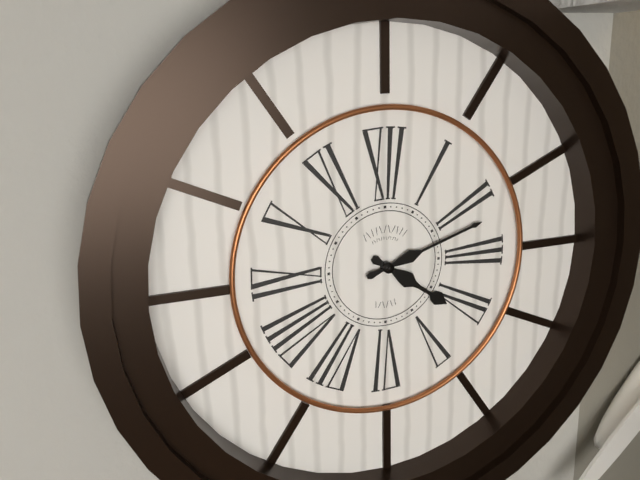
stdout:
4h12
